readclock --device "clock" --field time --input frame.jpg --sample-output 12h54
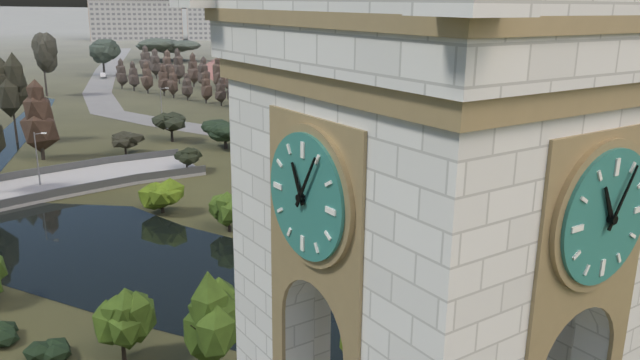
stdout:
11h05
